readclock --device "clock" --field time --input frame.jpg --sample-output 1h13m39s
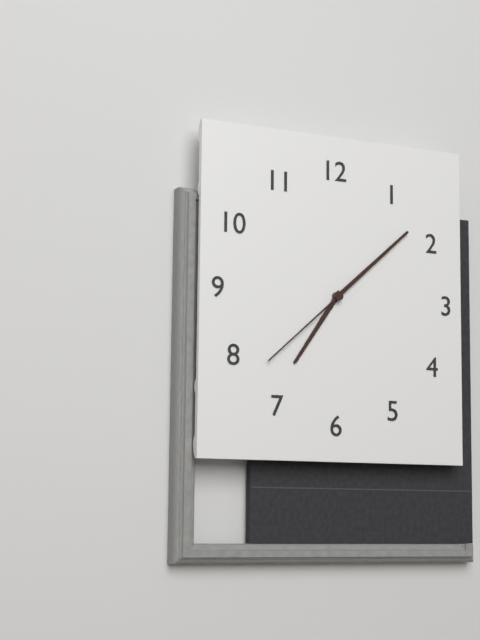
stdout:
7h08m38s
